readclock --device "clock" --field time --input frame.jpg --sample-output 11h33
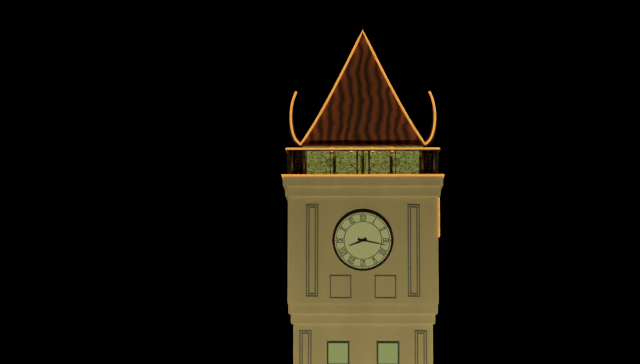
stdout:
8h17
